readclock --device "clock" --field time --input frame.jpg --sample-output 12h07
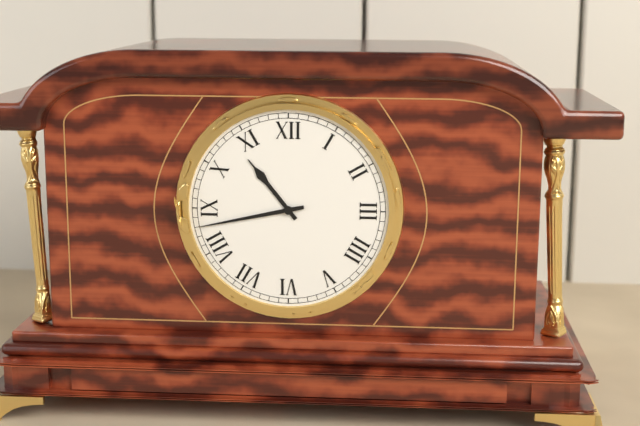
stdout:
10h43
